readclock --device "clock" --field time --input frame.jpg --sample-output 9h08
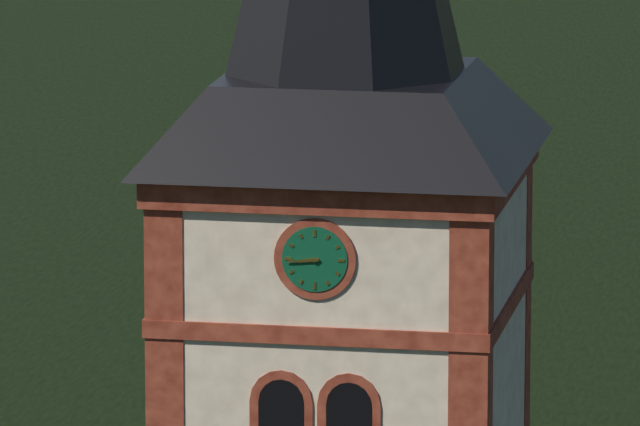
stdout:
8h44
